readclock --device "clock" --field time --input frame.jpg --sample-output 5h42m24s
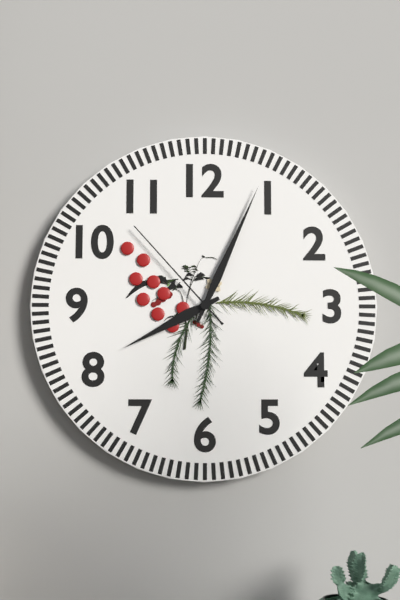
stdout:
8h04m53s
